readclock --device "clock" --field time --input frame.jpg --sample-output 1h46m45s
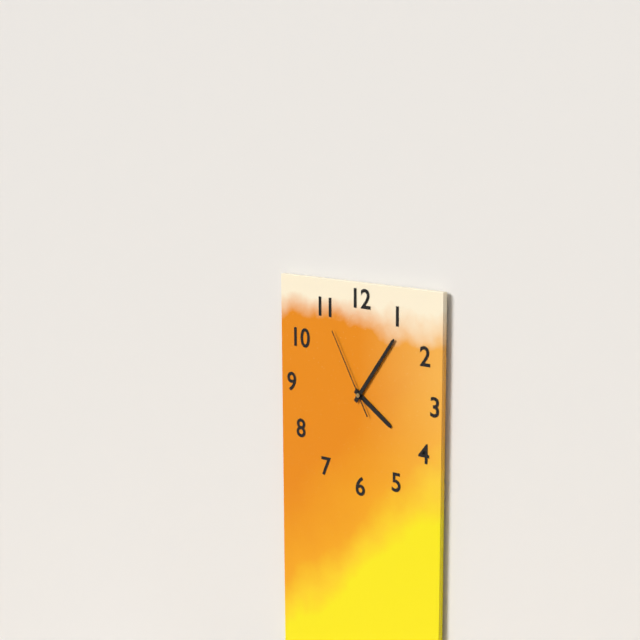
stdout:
4h06m55s
